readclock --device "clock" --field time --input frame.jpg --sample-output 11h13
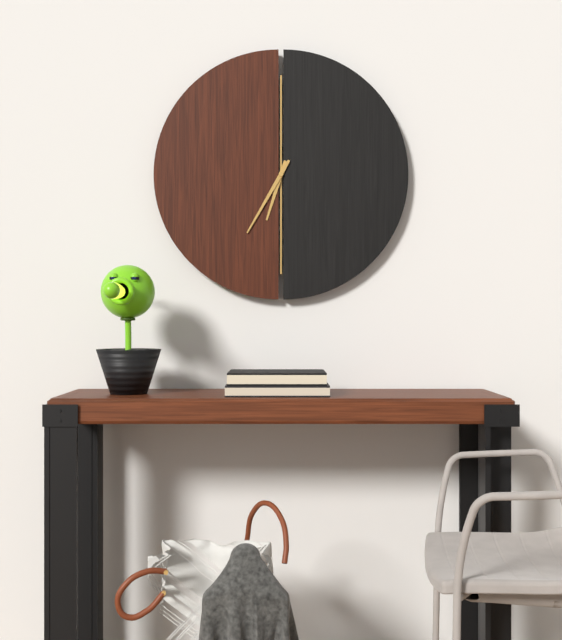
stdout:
6h35
